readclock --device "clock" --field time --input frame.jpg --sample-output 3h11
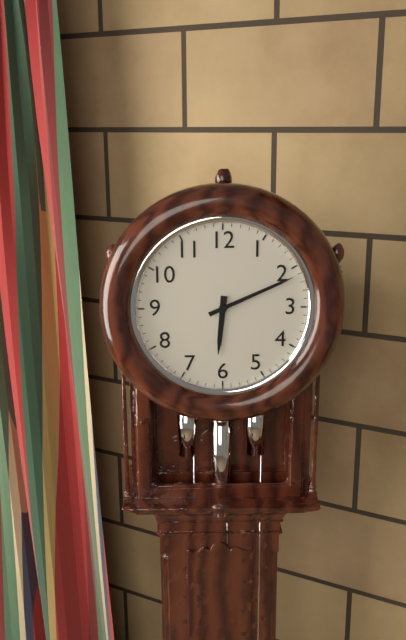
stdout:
6h11
